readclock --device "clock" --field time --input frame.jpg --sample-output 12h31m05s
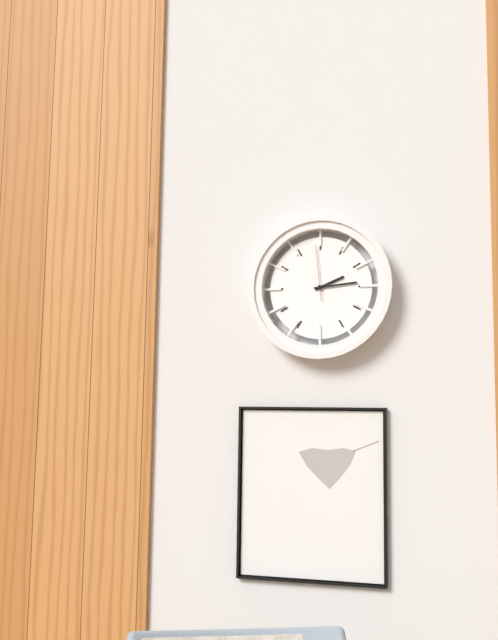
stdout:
2h14m59s
